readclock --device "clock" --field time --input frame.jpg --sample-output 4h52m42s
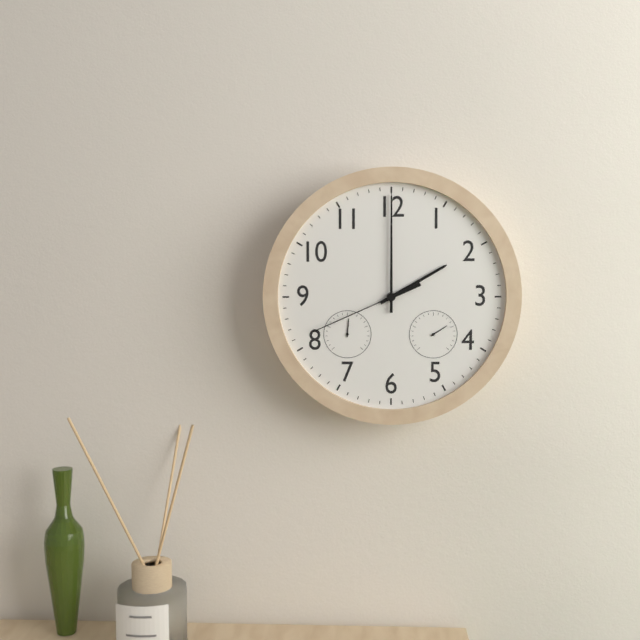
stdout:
2h00m41s
